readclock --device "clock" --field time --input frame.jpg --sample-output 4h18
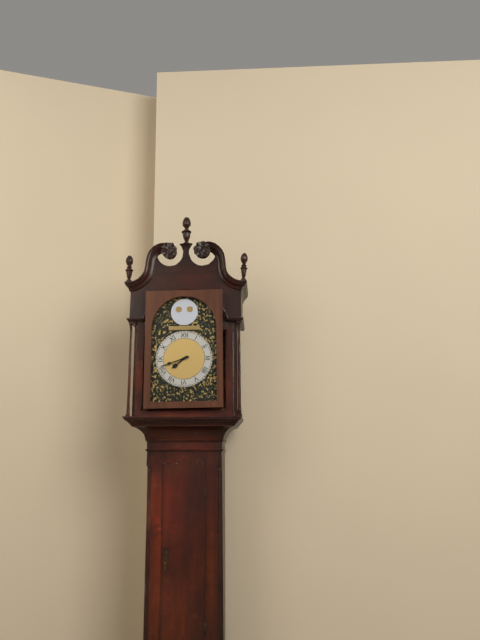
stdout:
7h42
